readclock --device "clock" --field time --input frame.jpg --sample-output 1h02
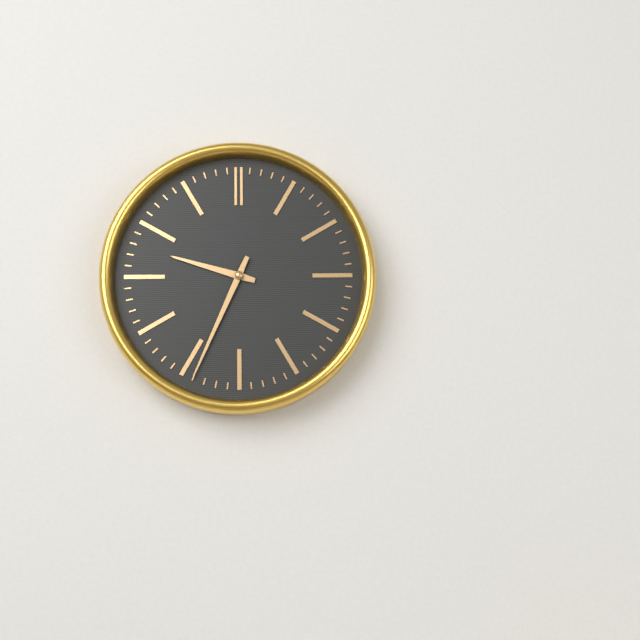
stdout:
9h34
